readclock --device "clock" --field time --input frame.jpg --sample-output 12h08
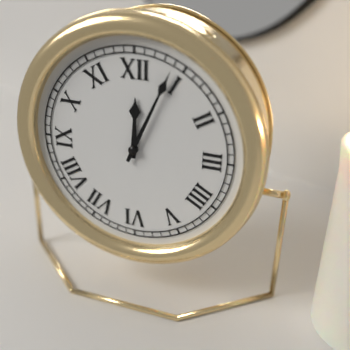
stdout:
12h04
